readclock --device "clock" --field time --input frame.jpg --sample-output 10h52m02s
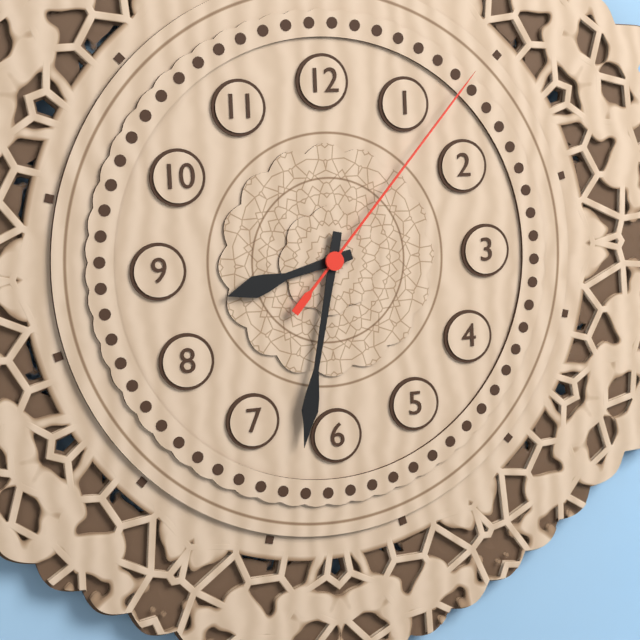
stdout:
8h32m07s
